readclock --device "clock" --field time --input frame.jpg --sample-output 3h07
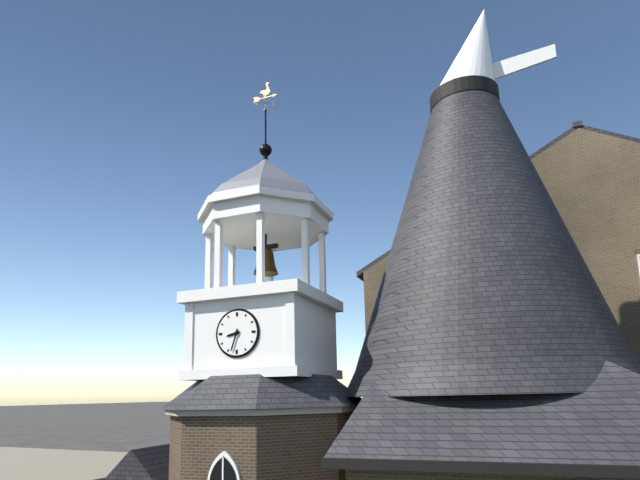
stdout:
8h33
